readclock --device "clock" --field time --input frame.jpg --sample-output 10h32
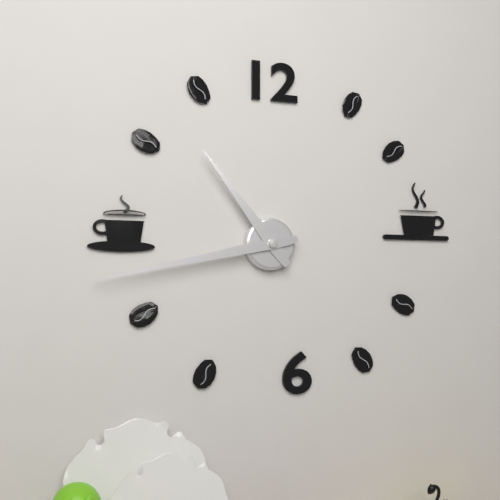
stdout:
10h43
